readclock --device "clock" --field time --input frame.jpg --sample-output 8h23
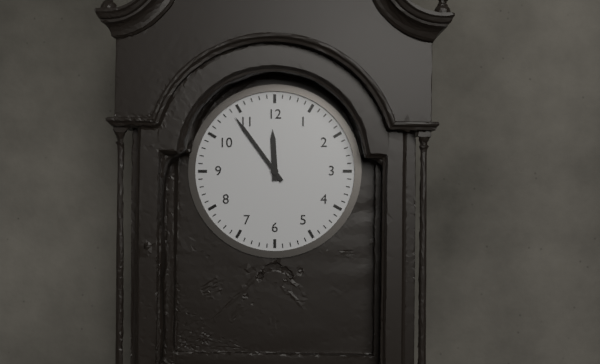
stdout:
11h54
